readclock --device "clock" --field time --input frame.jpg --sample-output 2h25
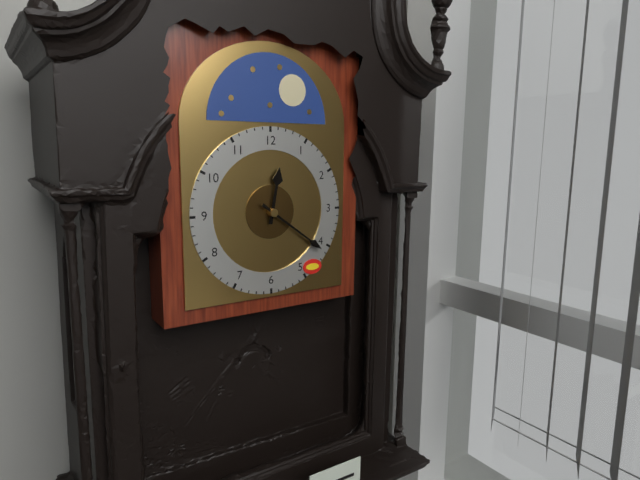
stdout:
12h21
